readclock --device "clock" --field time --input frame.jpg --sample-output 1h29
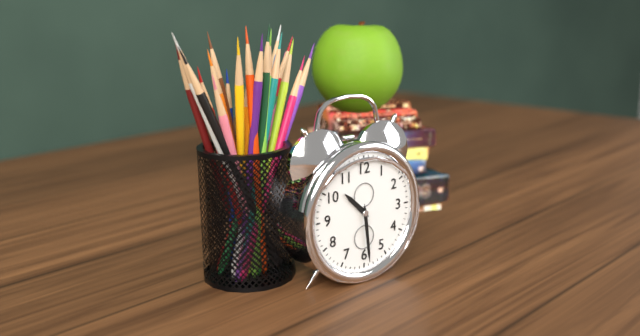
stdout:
10h29
